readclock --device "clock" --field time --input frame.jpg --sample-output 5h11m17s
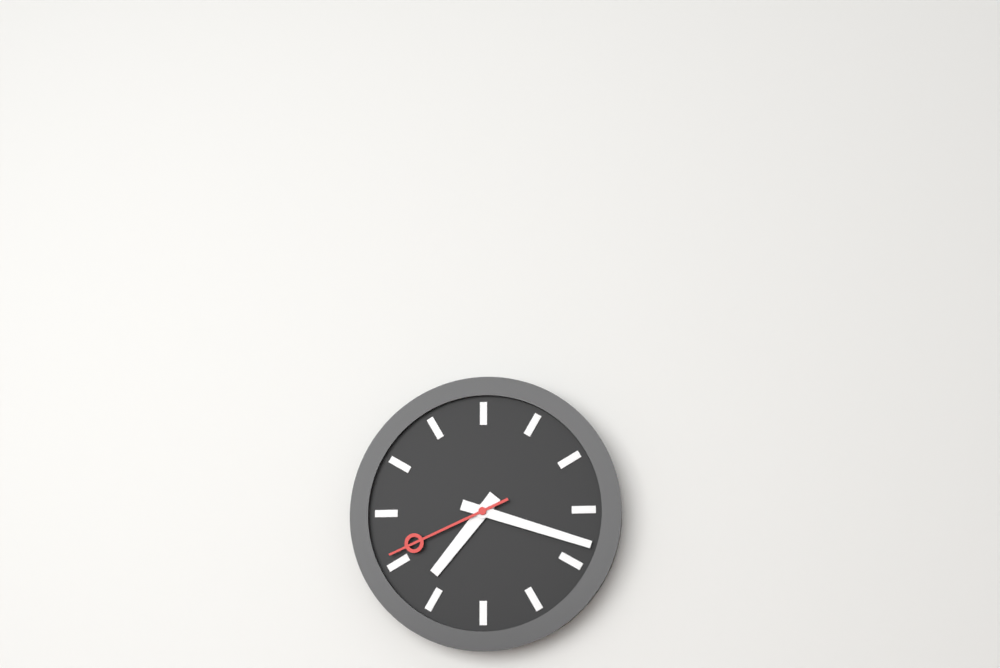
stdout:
7h18m41s
